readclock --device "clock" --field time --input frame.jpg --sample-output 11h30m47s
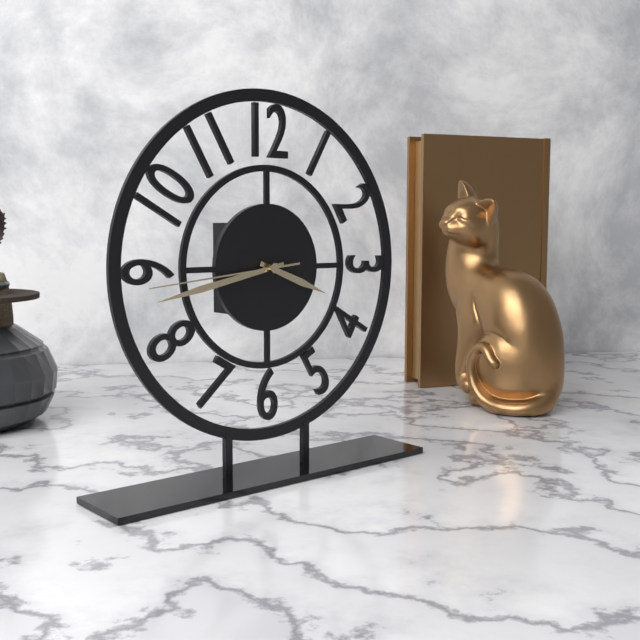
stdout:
3h43m44s
